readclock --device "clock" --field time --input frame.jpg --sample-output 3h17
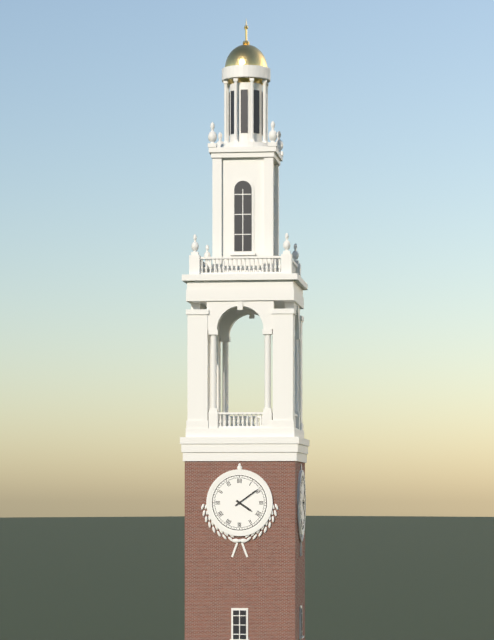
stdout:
4h09
